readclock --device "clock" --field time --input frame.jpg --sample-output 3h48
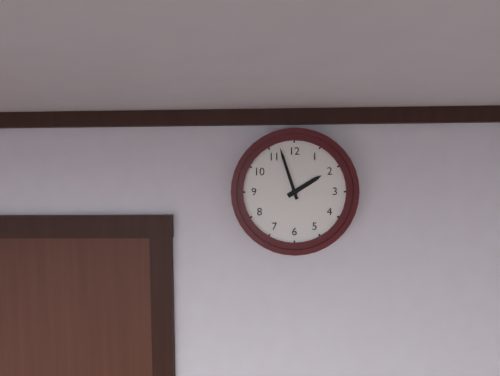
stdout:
1h57
